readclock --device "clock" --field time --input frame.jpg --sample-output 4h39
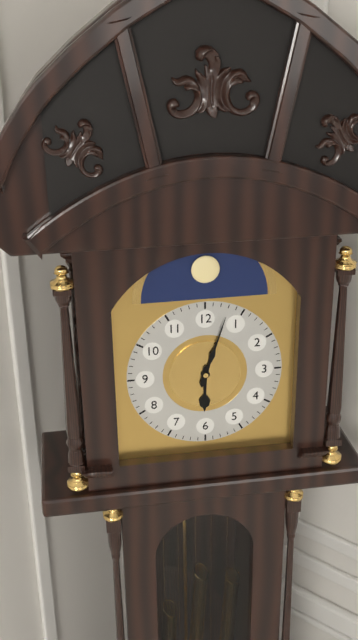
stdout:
6h03
